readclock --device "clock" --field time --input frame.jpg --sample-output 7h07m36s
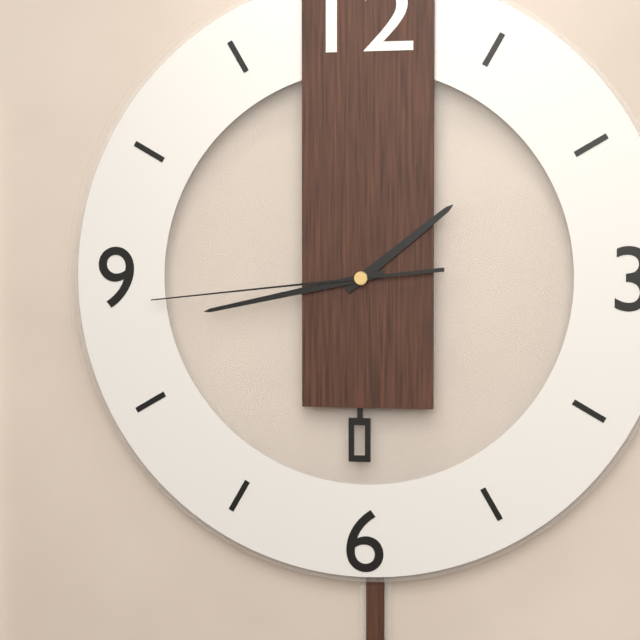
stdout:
1h43m44s
